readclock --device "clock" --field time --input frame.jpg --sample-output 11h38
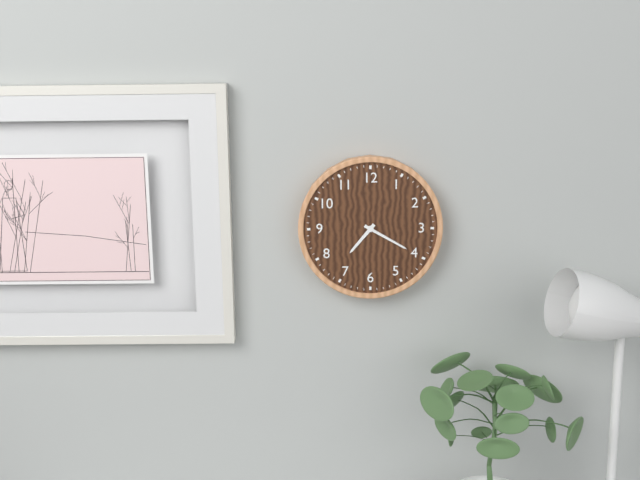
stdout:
7h20
